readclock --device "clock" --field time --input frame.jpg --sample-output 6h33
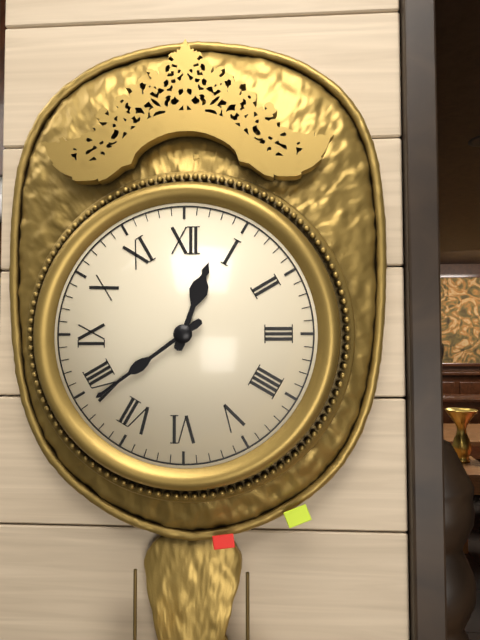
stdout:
12h39
